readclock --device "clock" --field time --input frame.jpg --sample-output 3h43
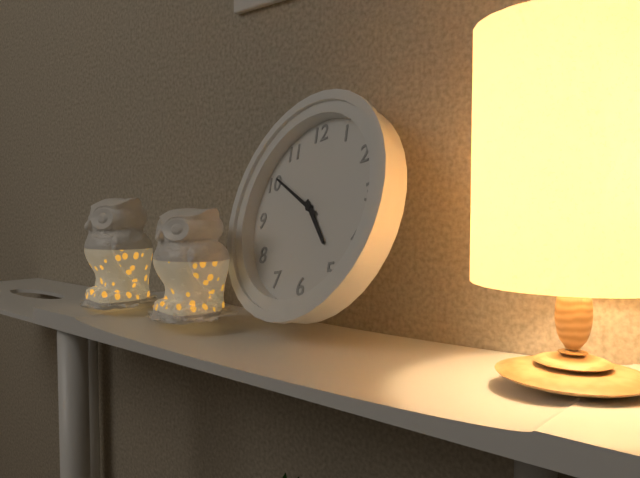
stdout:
4h51
